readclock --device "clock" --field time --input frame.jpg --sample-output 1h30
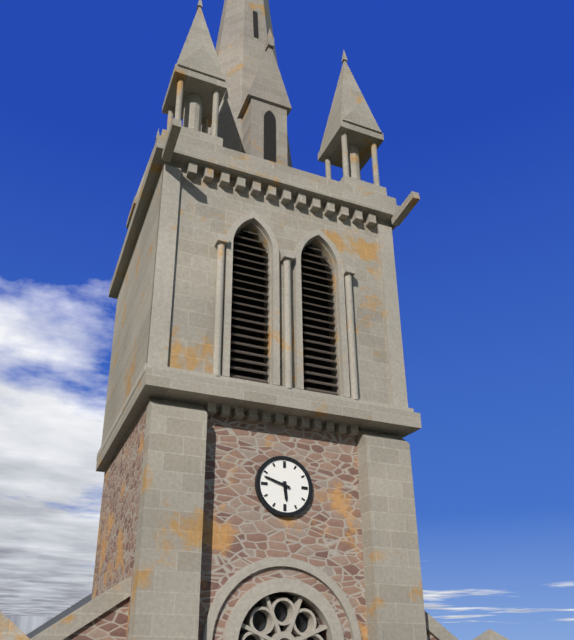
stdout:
5h48
